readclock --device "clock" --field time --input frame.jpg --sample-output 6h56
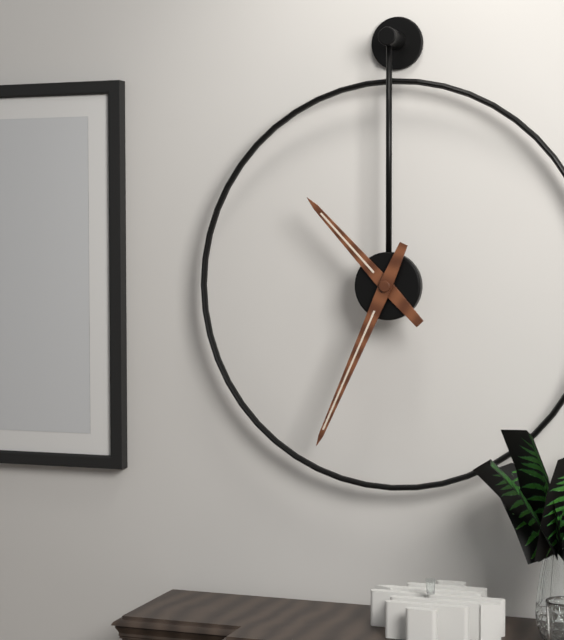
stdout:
10h34
